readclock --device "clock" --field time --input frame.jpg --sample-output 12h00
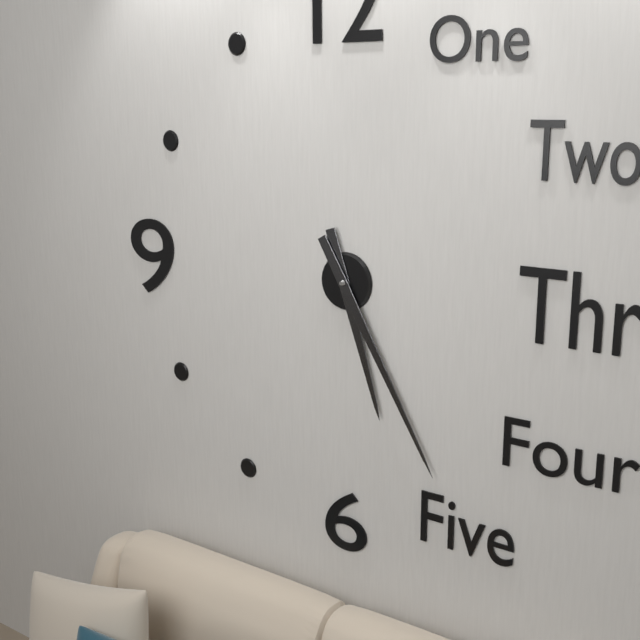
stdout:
5h25
